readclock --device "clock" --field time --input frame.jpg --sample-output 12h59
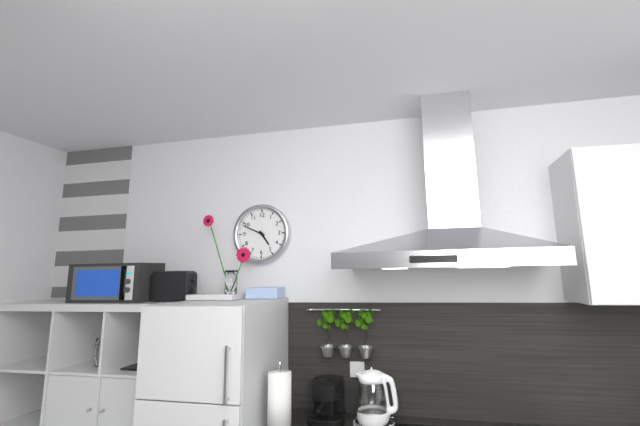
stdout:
4h49
